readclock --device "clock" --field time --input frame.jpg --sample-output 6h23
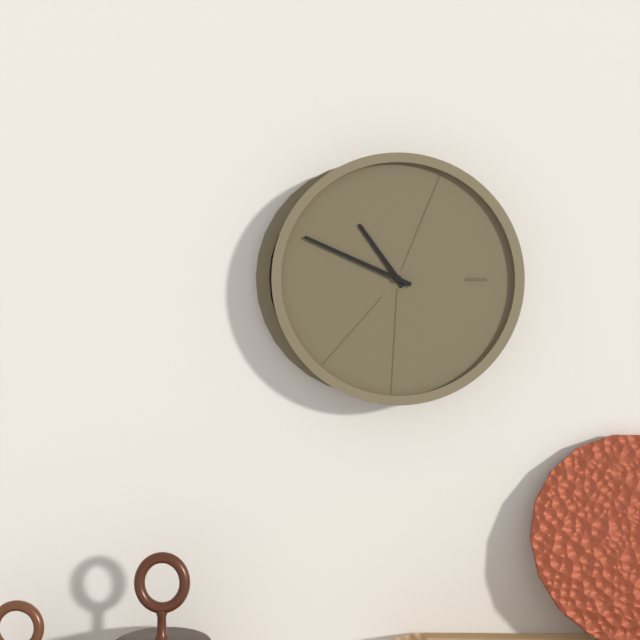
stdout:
10h49
